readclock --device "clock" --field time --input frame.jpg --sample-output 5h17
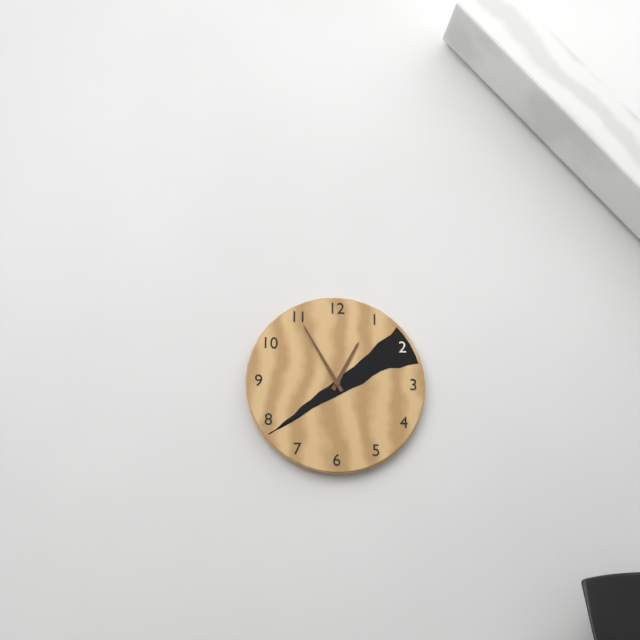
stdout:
12h55
